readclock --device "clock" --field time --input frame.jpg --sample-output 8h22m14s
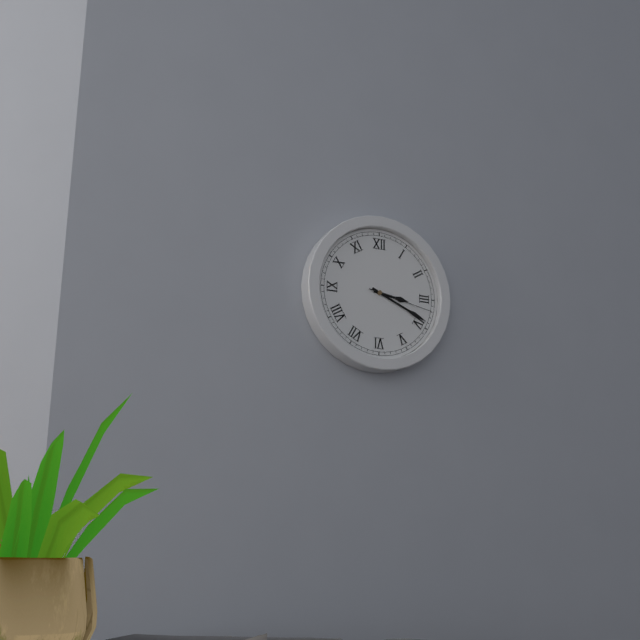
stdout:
3h19m17s
